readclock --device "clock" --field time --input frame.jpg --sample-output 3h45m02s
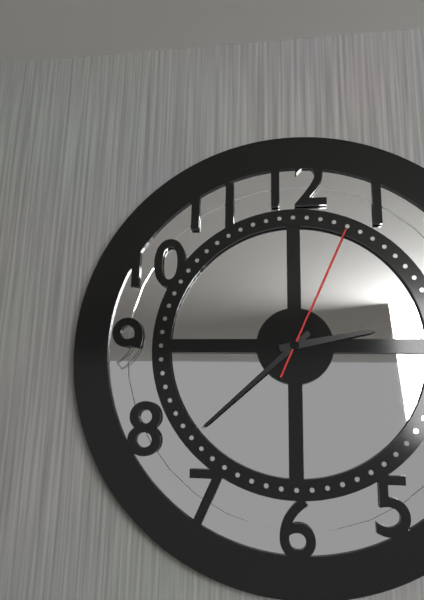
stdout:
2h38m04s
